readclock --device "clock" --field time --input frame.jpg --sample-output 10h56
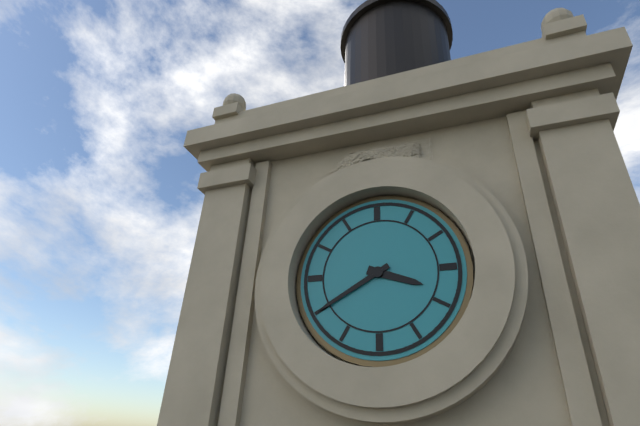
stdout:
3h40
